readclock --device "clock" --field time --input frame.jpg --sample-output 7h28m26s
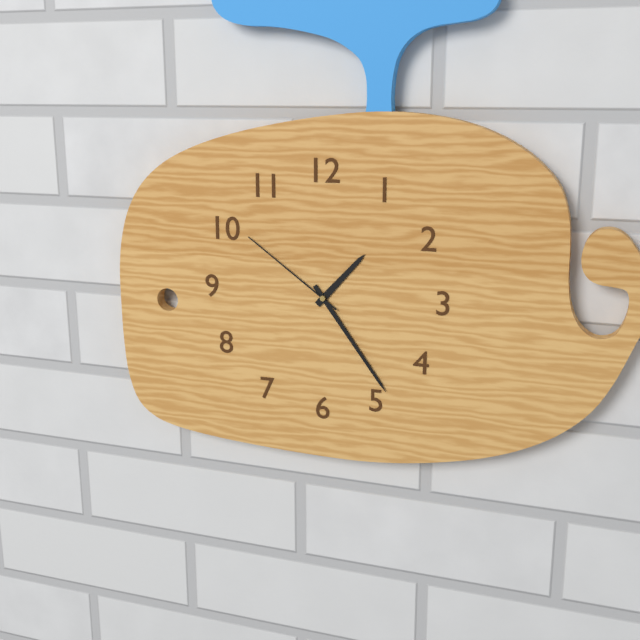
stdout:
1h24m51s
